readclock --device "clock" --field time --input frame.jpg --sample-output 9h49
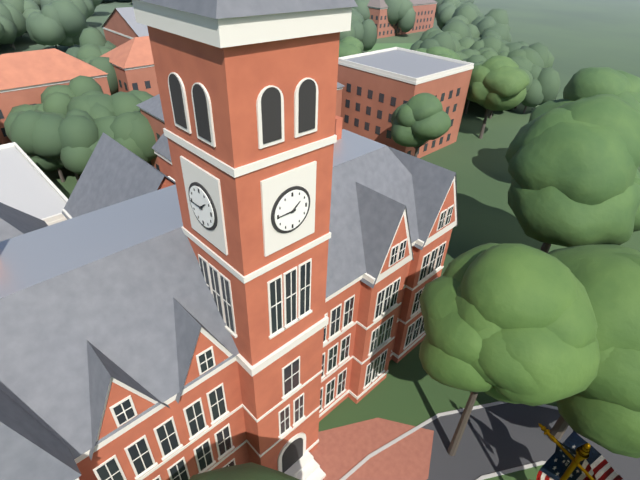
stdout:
1h45
